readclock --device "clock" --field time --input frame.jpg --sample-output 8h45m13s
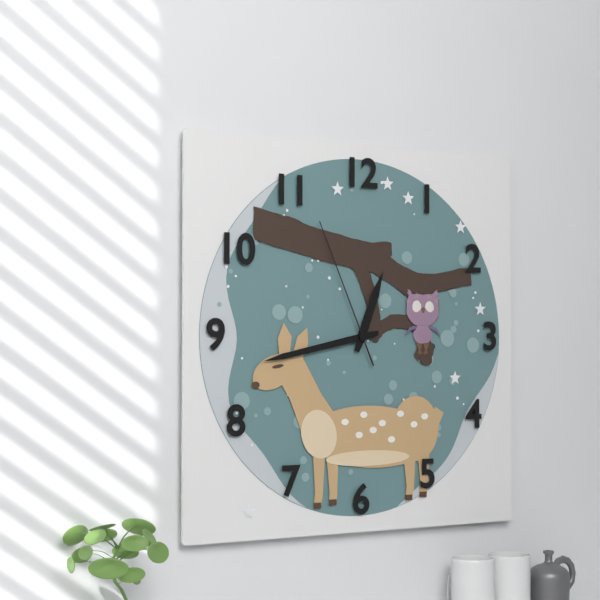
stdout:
12h43m56s
